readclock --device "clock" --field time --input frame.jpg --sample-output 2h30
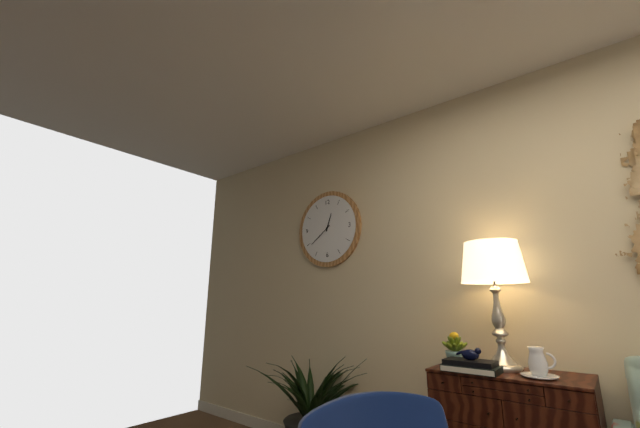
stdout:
12h39
